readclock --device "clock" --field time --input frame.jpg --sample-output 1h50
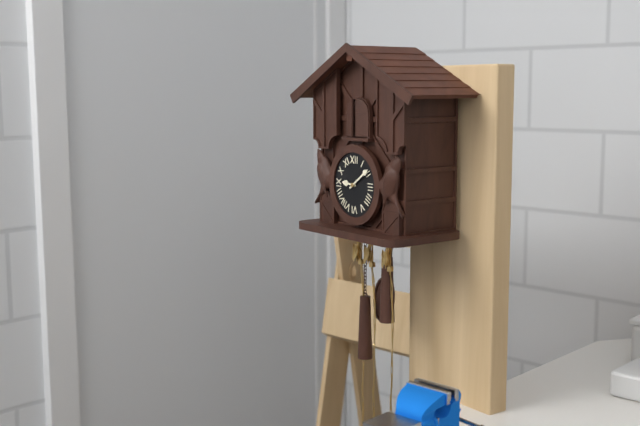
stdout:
9h09
